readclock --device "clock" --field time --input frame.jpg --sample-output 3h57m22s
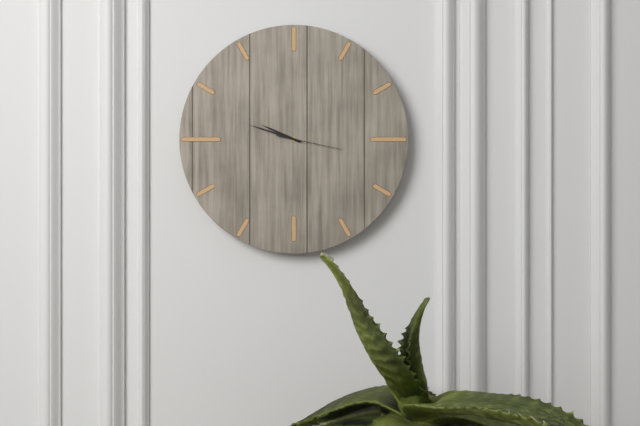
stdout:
9h48m17s
